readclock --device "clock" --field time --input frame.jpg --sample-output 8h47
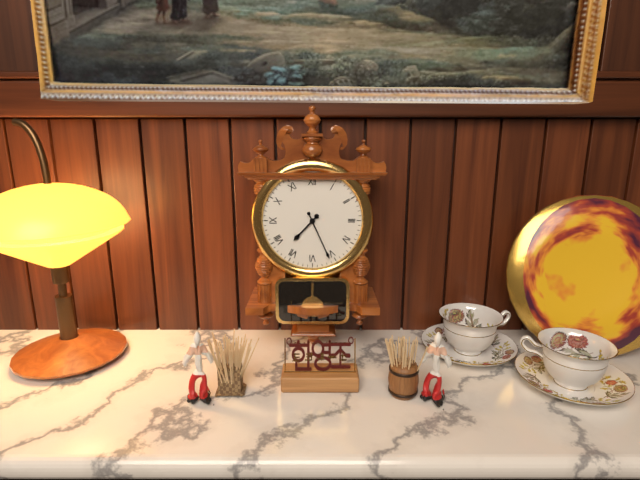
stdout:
7h26
